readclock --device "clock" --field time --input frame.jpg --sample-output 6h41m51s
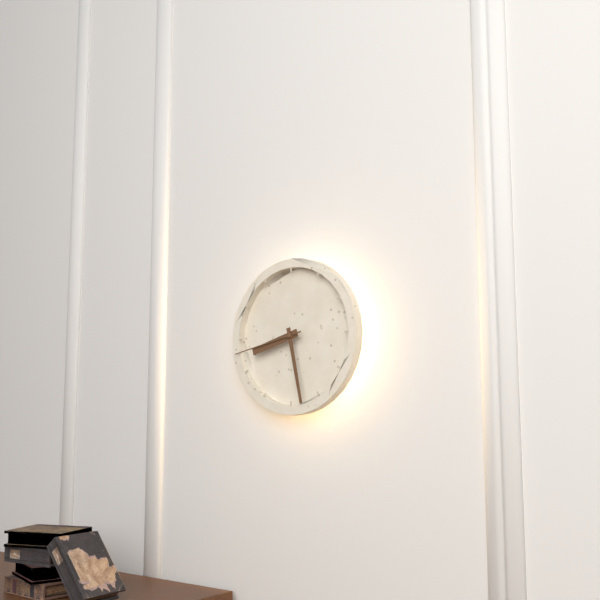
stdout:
8h28m43s
